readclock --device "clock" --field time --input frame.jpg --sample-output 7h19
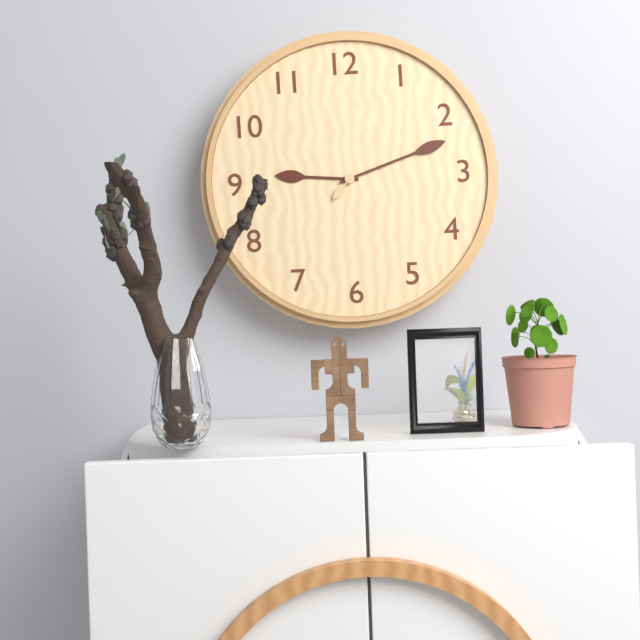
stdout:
9h12
